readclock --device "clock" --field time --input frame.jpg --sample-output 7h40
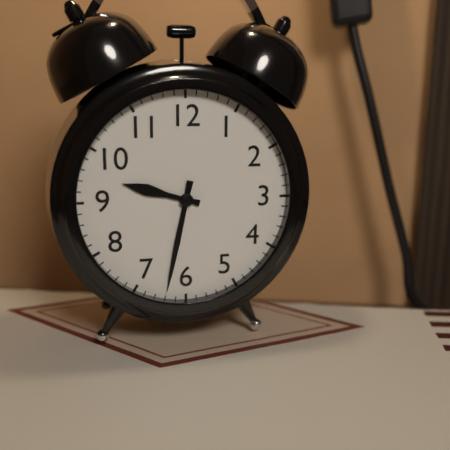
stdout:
9h32
